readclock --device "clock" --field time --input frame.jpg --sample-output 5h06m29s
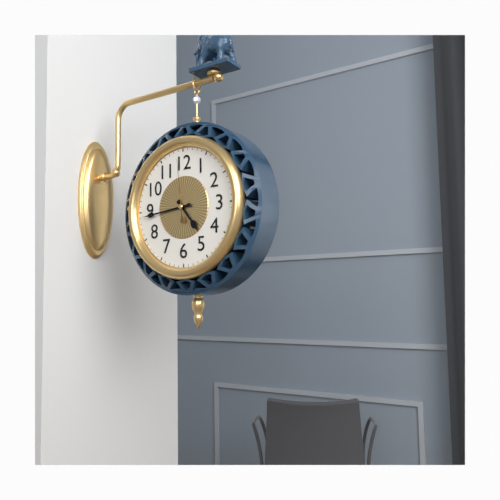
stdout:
4h44m59s
